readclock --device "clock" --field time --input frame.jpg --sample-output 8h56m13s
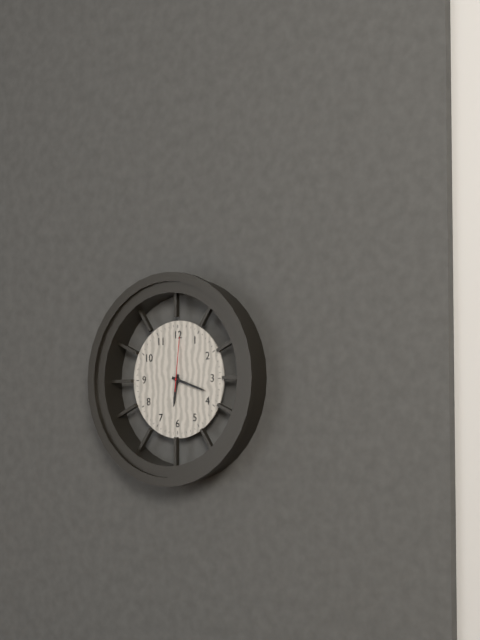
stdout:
6h18m01s
